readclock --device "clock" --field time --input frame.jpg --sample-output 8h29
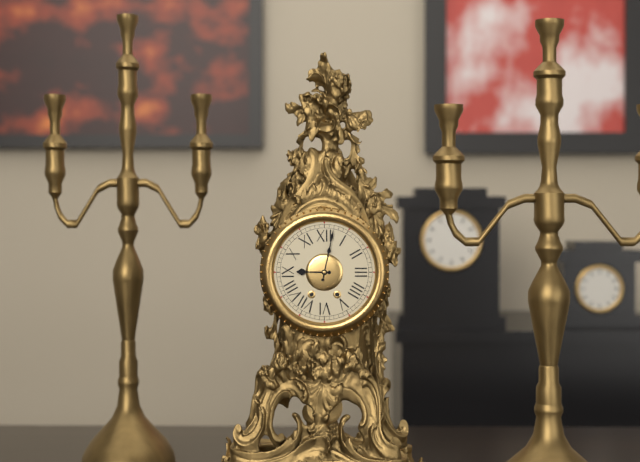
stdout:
9h02
